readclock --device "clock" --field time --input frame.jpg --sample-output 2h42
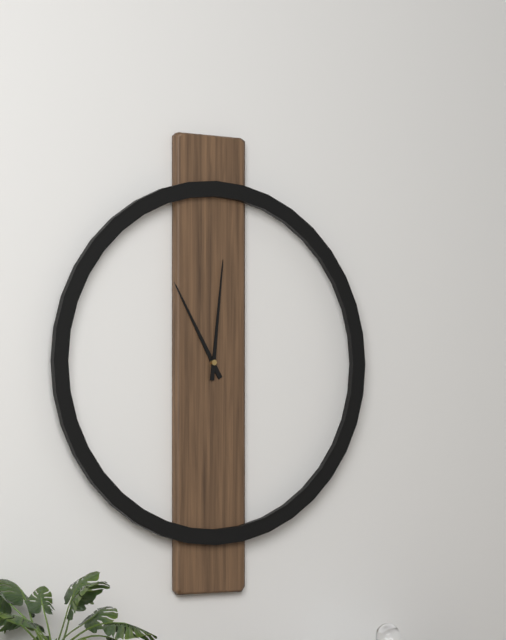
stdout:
11h01
